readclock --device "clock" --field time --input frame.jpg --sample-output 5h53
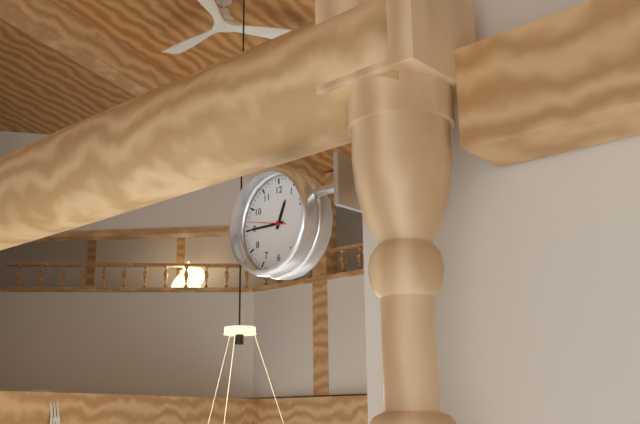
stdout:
12h45
